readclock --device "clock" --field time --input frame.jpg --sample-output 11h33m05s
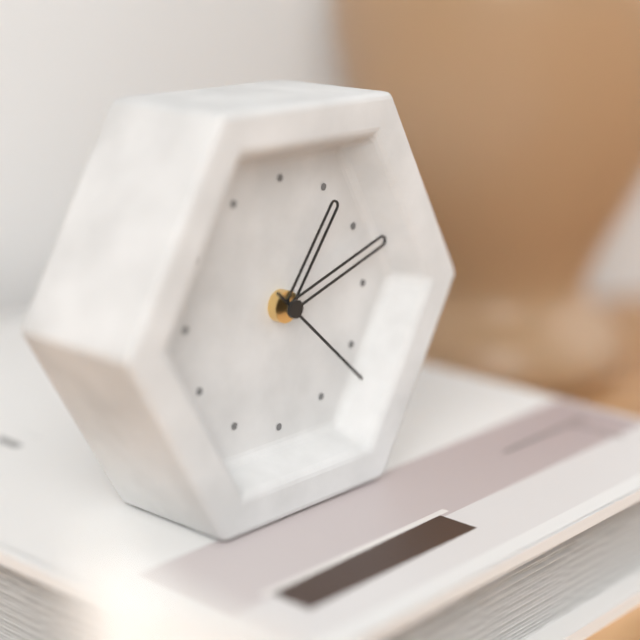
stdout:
1h12m22s
